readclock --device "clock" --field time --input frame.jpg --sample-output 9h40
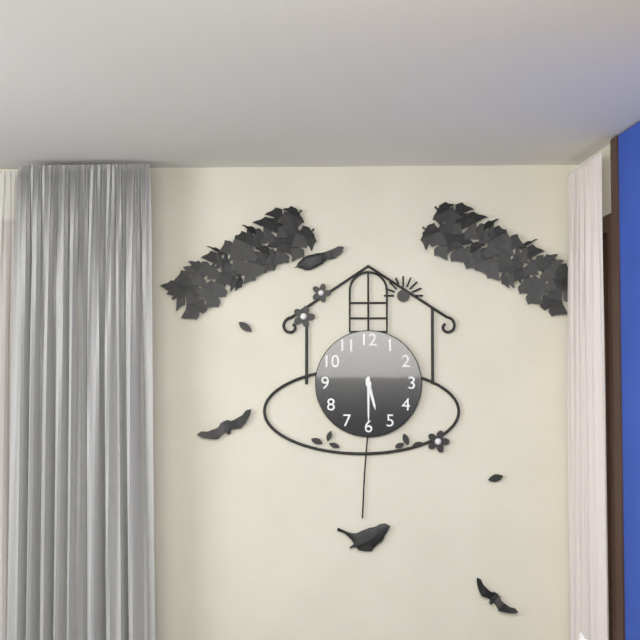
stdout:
5h30
